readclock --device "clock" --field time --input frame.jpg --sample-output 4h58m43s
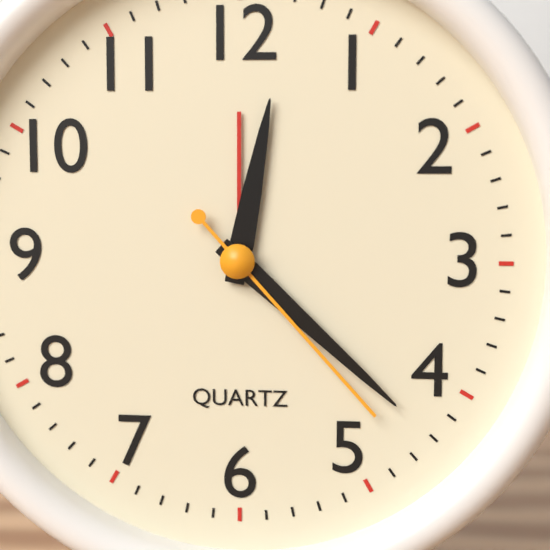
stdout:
12h22m23s
